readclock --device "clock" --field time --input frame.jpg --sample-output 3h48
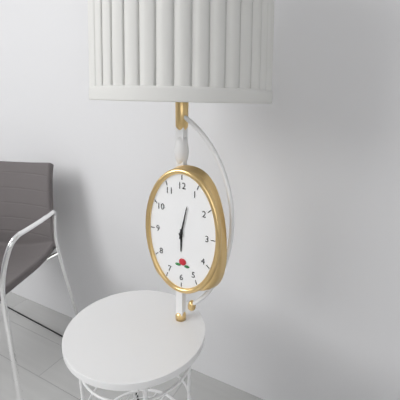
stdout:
6h02
